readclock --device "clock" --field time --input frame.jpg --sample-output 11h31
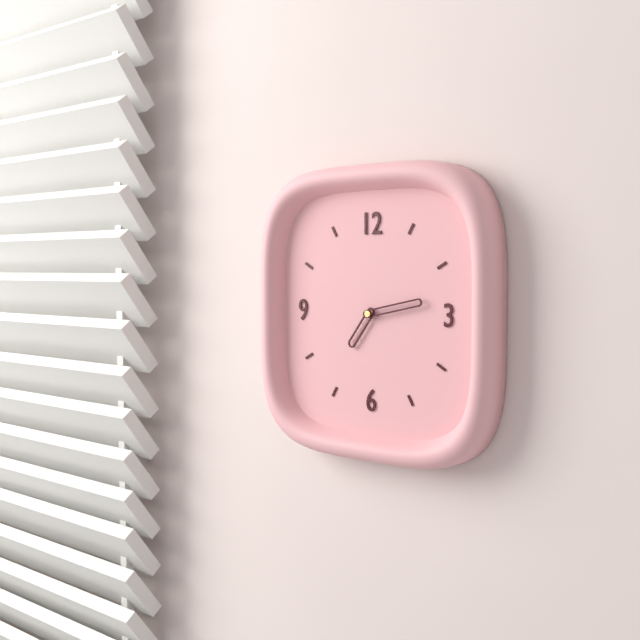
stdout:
7h13
